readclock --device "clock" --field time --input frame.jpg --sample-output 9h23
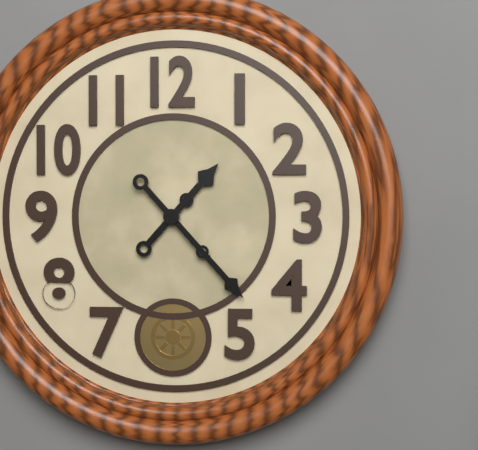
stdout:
1h23
